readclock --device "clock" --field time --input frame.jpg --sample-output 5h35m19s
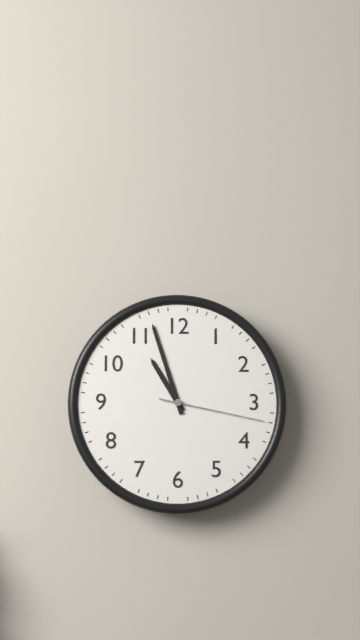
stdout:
10h57m17s
